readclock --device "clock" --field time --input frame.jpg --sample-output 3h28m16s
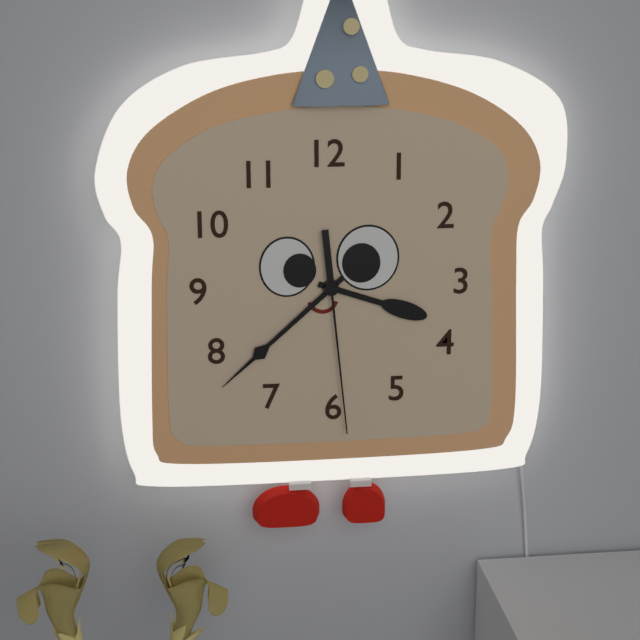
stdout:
3h38m29s
